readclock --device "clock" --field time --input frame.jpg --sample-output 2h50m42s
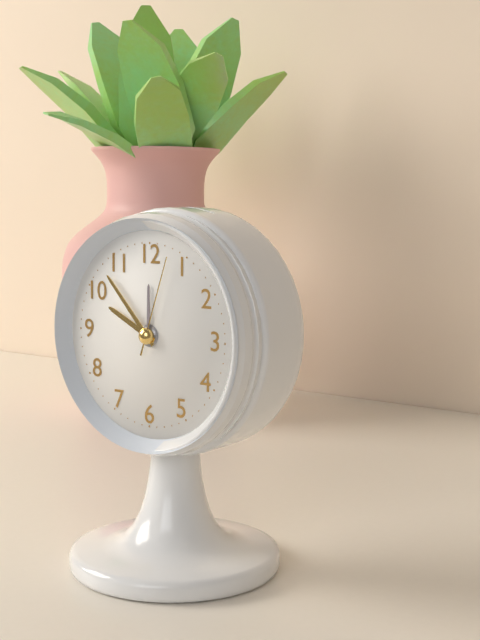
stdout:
9h53m03s
